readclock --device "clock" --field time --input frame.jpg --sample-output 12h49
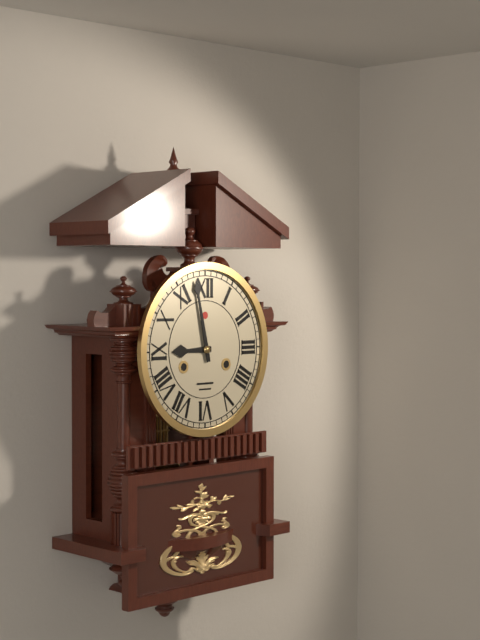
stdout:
8h58
